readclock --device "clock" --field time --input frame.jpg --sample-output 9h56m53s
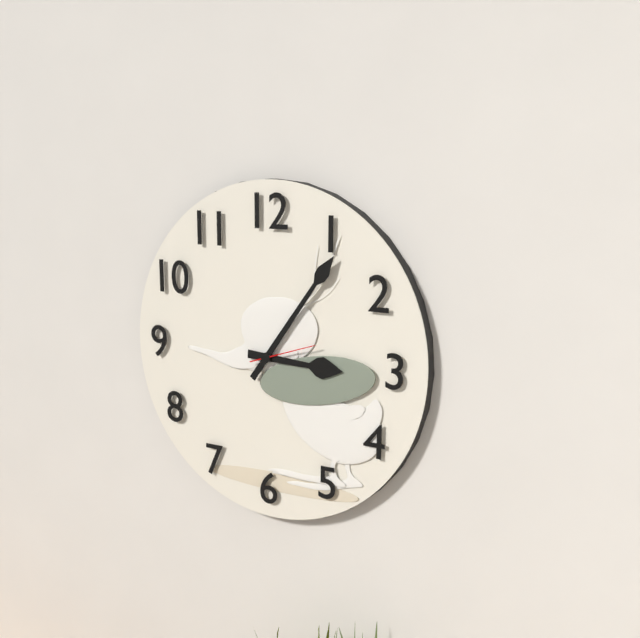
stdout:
3h06m12s
